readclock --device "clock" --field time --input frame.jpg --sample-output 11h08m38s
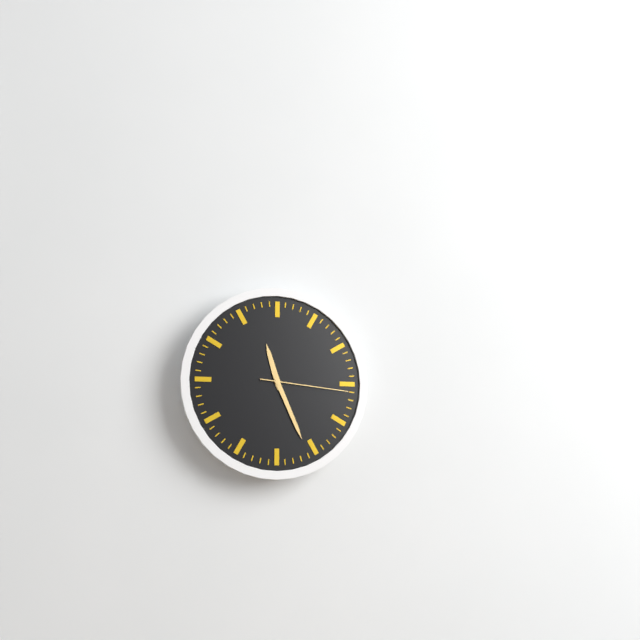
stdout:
11h26m16s
